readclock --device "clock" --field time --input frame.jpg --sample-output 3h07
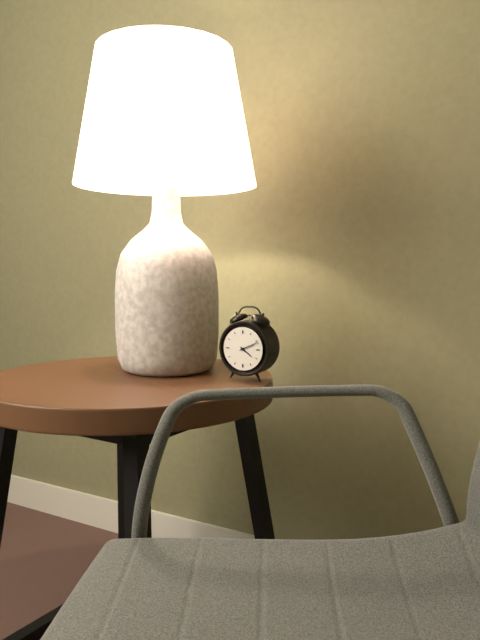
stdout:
4h11
